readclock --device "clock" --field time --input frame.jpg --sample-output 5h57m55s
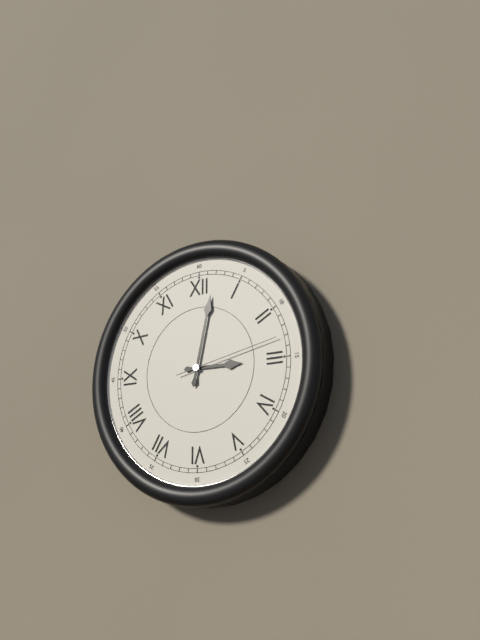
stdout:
3h02m13s
